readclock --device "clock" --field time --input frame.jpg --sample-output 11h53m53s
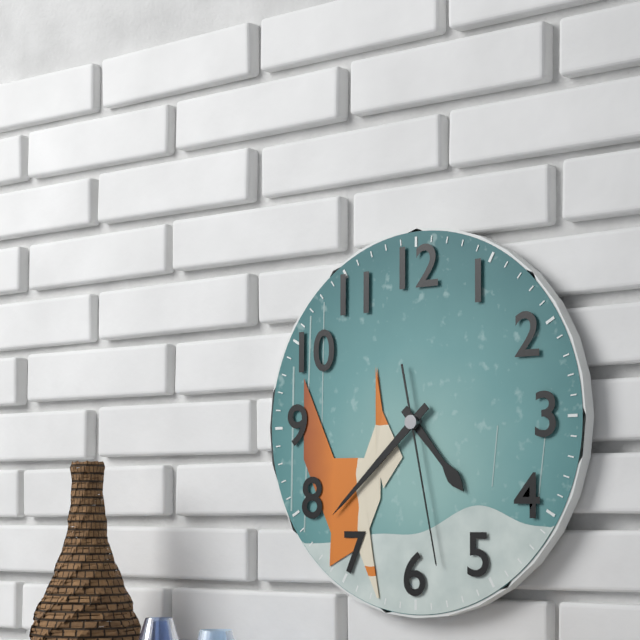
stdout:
4h38m28s
